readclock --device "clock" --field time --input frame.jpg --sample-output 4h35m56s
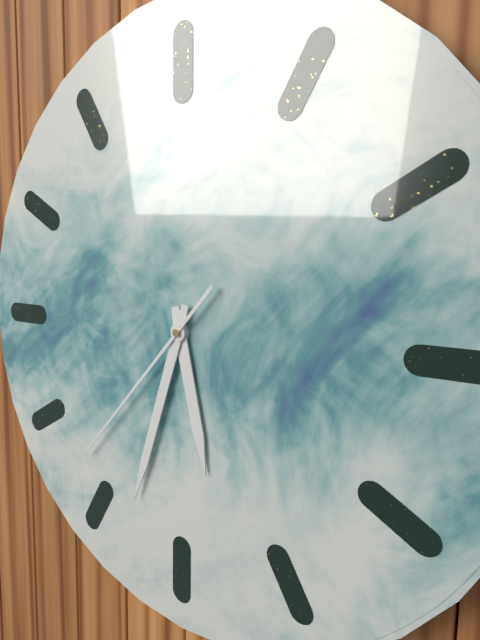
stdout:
5h33m37s
